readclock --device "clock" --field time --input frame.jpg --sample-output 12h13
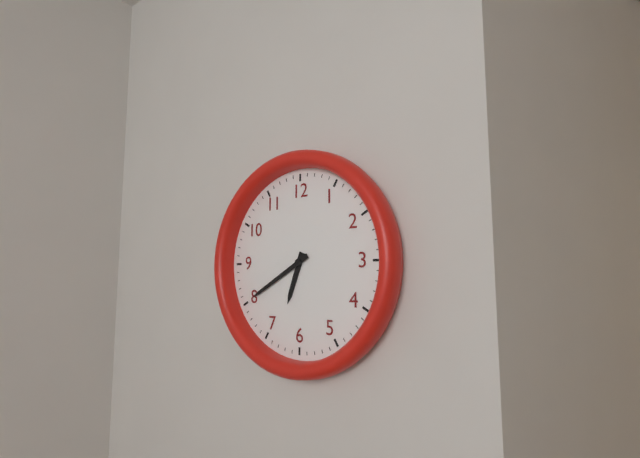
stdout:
6h40
